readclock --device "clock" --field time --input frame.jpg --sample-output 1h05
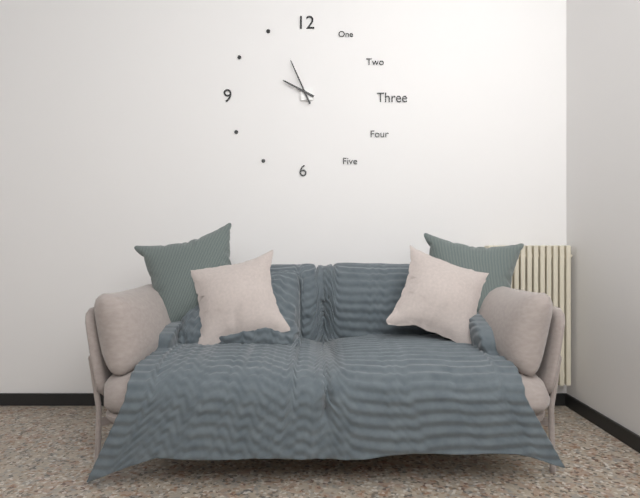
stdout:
9h56
